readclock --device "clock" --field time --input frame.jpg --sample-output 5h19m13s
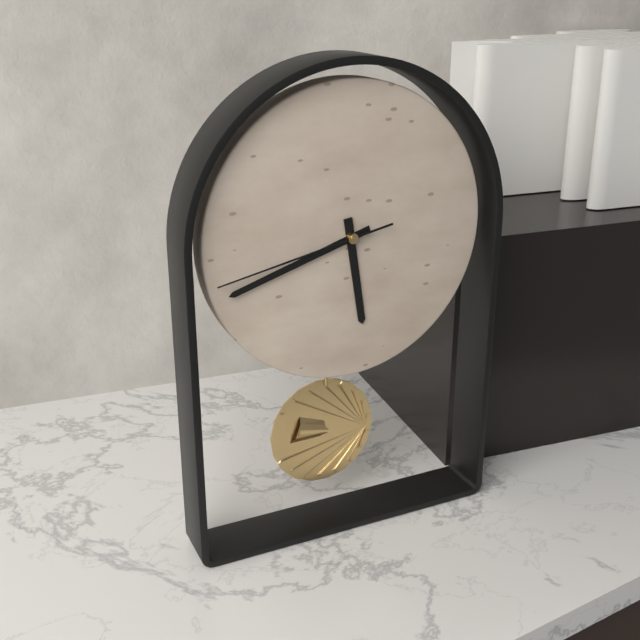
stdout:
5h42m43s
